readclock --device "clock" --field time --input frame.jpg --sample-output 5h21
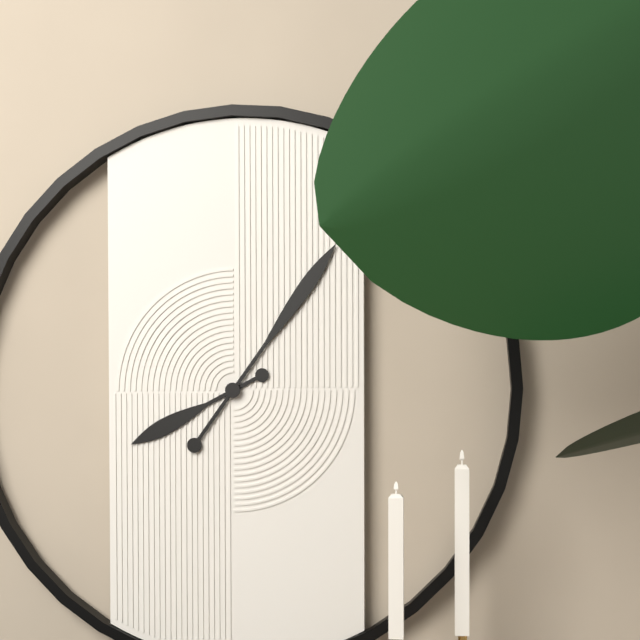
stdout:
8h06
